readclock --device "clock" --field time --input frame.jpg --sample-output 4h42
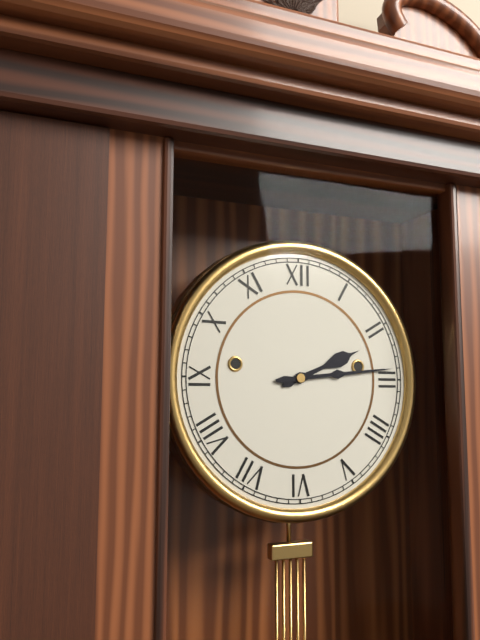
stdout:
2h14
